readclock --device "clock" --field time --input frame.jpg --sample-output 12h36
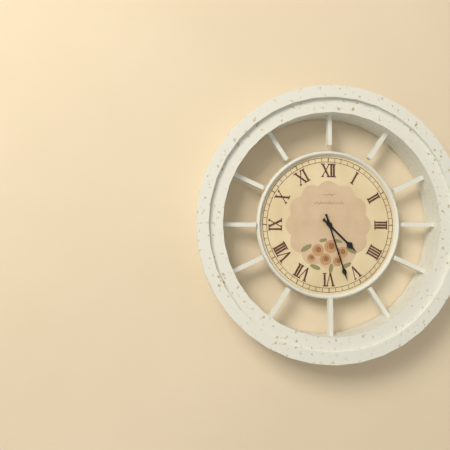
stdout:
4h27
